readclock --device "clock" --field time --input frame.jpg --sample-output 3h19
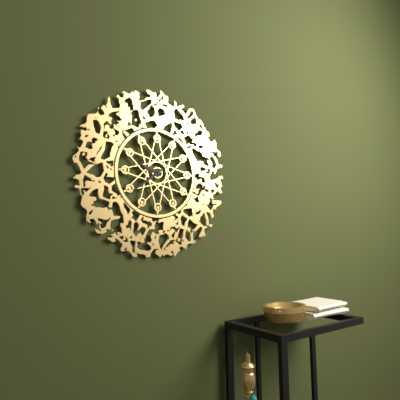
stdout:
9h39
